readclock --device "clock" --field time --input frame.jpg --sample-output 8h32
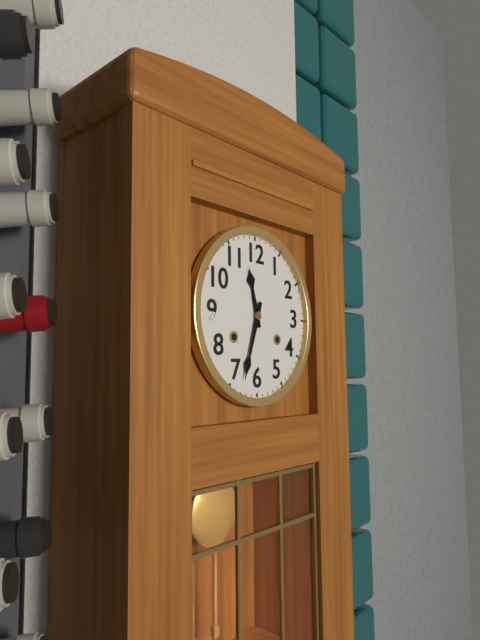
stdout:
11h33
